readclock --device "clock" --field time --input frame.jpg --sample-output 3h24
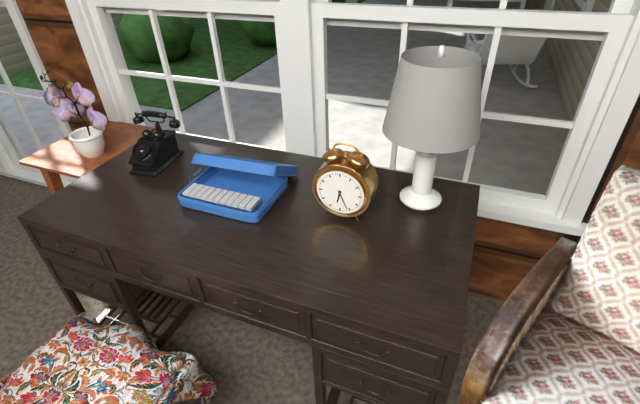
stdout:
6h26
